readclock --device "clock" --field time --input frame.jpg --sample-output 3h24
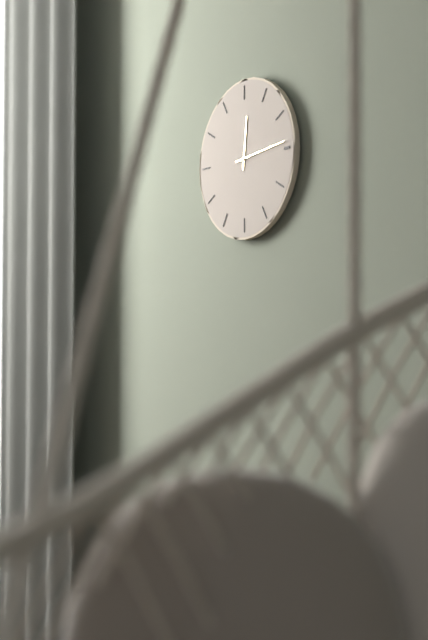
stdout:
12h14
